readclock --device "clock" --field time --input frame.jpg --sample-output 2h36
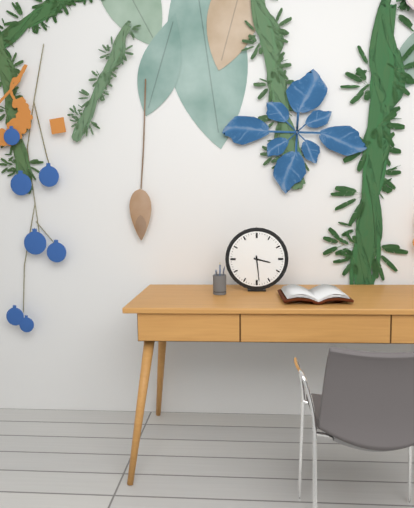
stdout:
3h29
